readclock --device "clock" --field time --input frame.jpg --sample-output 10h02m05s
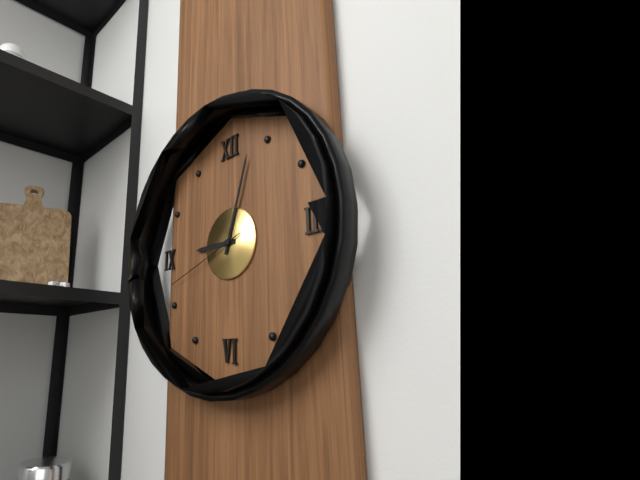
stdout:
9h03m42s
